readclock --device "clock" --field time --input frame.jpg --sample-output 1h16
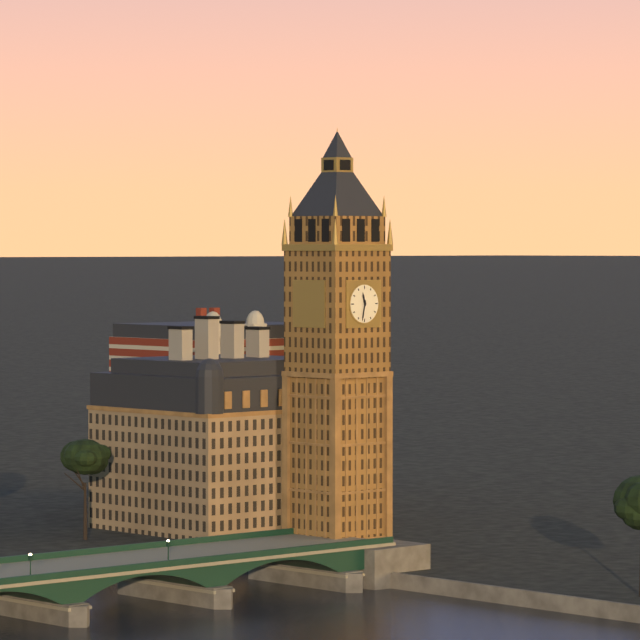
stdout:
11h32
